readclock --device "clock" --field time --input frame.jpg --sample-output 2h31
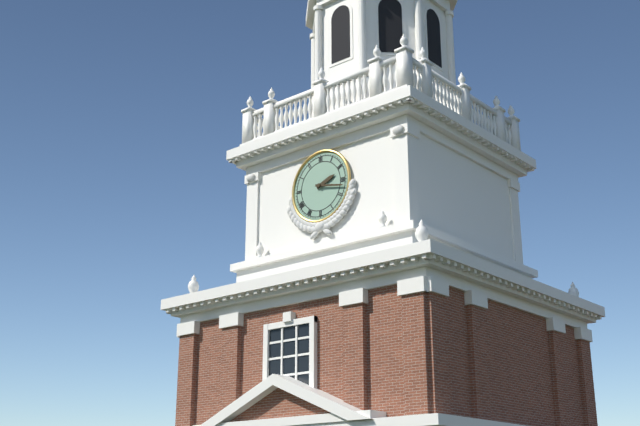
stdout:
2h17
